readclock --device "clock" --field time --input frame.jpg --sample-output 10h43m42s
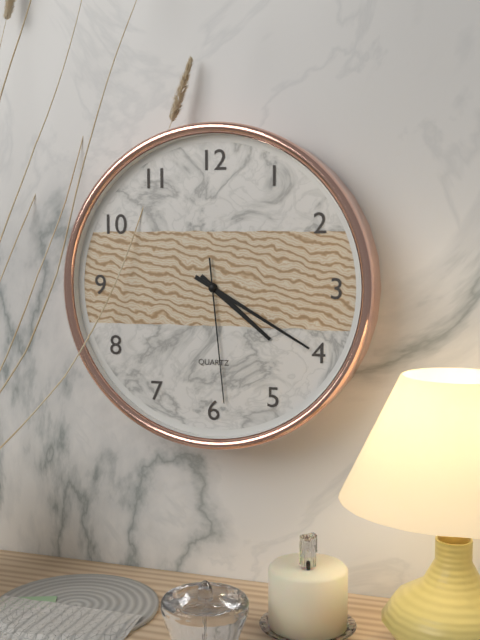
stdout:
4h20m29s
